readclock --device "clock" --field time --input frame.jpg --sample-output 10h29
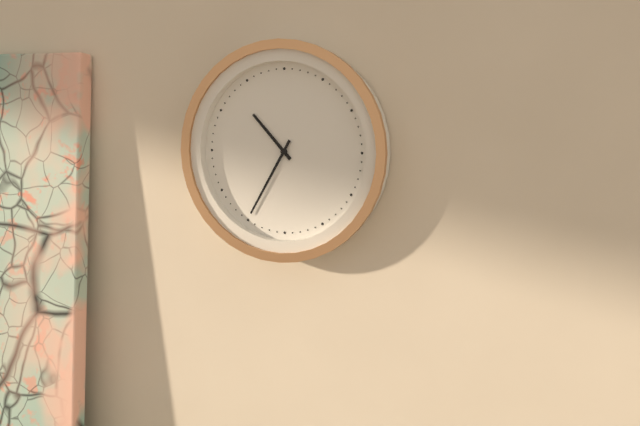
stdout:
10h35
